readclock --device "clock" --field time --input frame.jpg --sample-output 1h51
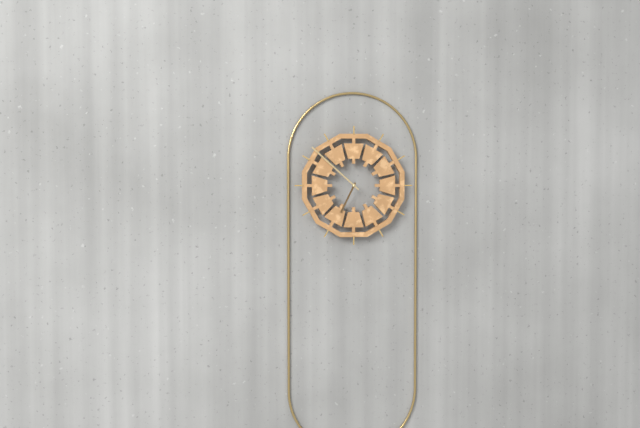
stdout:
6h52
